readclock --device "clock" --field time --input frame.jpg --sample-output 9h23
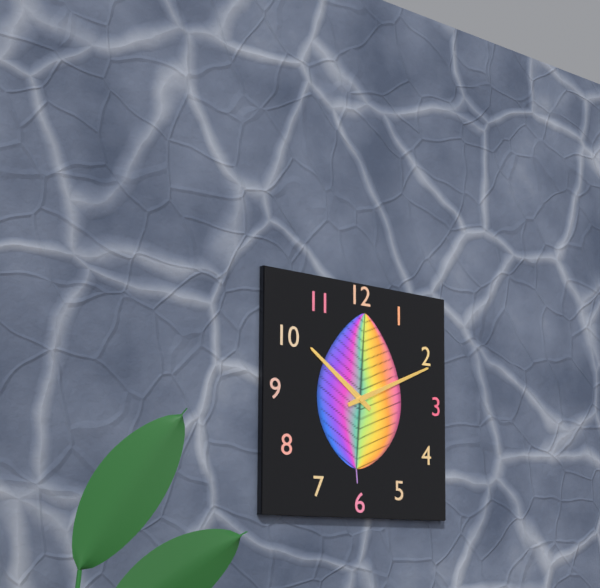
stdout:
10h11
